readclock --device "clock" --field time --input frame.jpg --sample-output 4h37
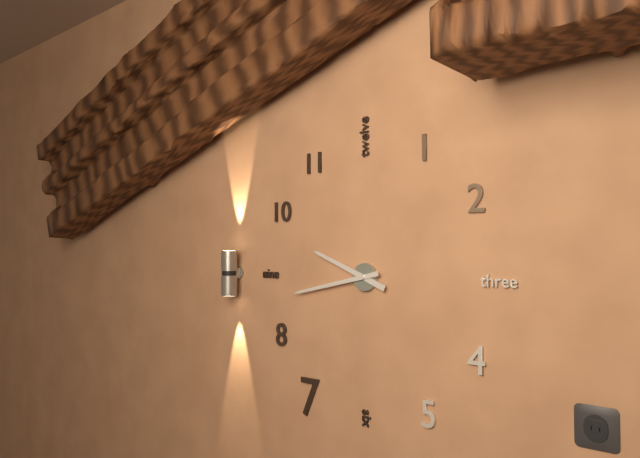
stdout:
9h43
